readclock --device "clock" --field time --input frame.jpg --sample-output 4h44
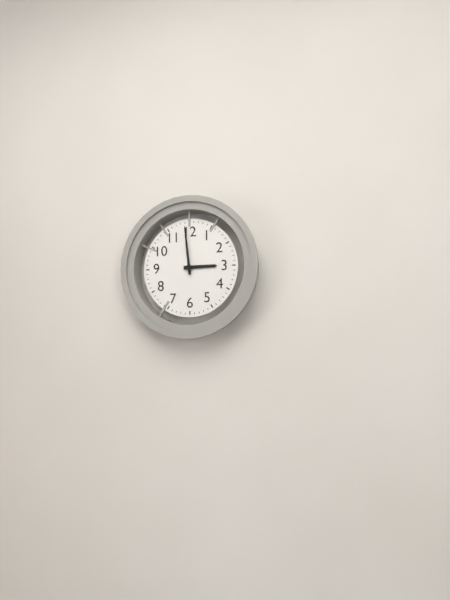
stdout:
2h59
